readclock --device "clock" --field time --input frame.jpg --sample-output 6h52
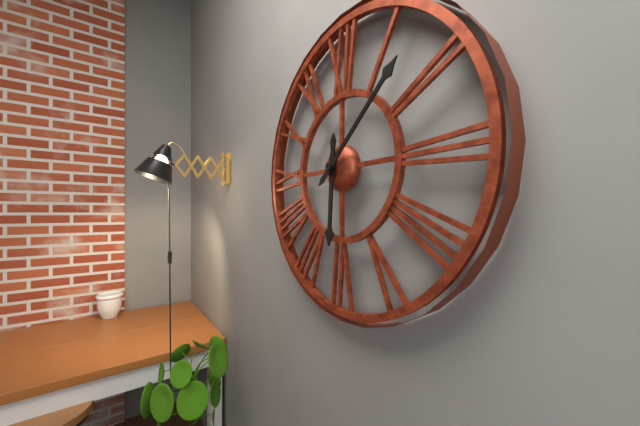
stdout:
6h08
